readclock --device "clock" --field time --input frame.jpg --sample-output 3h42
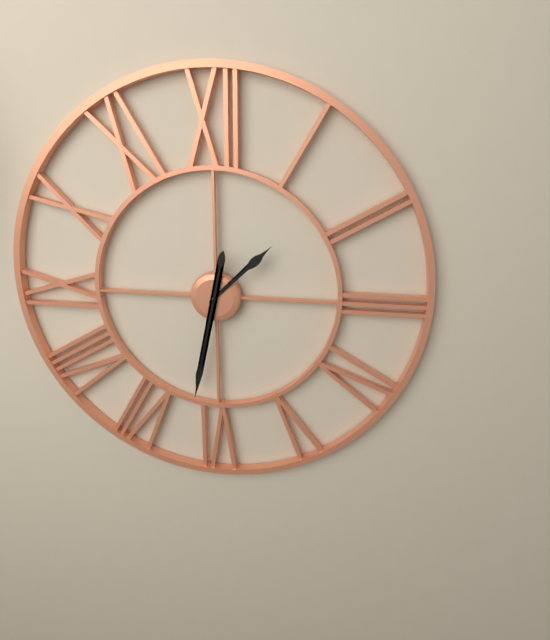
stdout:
1h32
